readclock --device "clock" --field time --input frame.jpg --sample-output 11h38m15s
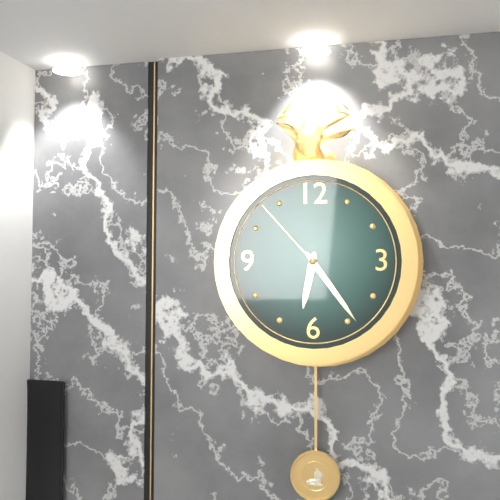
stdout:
6h24m53s
